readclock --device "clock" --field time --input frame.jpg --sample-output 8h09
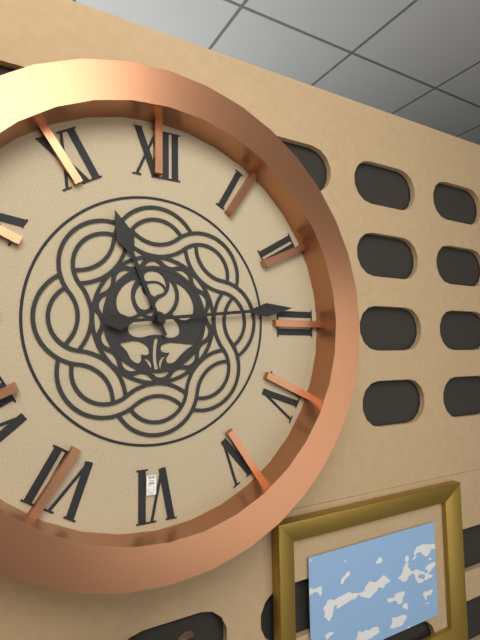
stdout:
11h14
